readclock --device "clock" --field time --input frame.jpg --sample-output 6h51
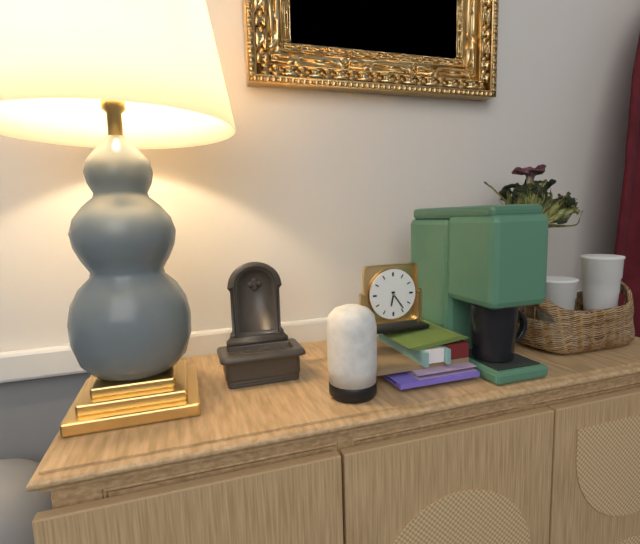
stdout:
6h24
